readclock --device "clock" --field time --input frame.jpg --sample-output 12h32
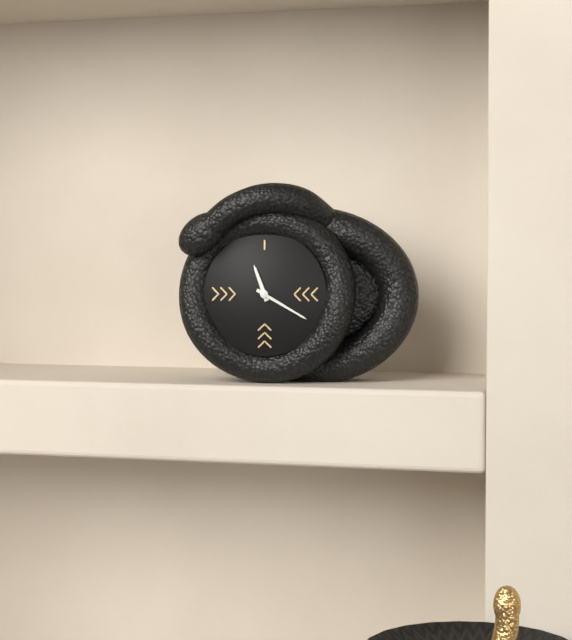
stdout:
11h20
